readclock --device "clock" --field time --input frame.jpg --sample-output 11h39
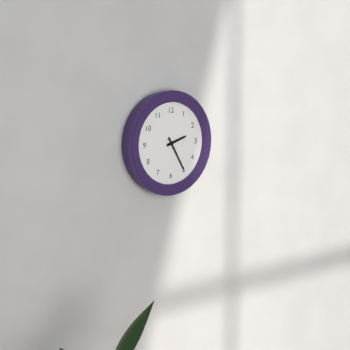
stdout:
2h25
